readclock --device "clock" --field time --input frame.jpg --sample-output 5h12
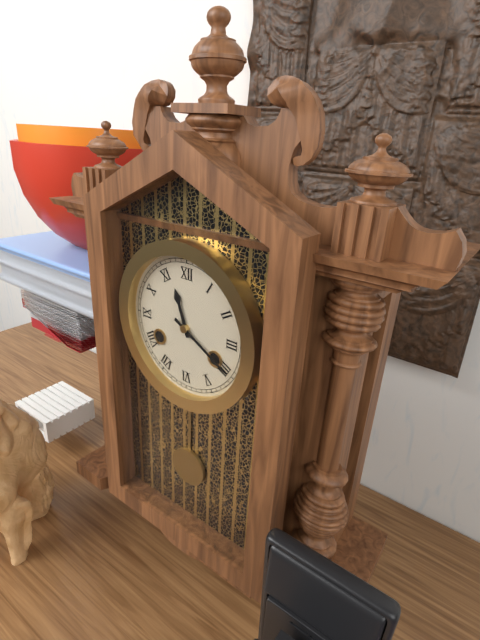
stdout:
11h20
